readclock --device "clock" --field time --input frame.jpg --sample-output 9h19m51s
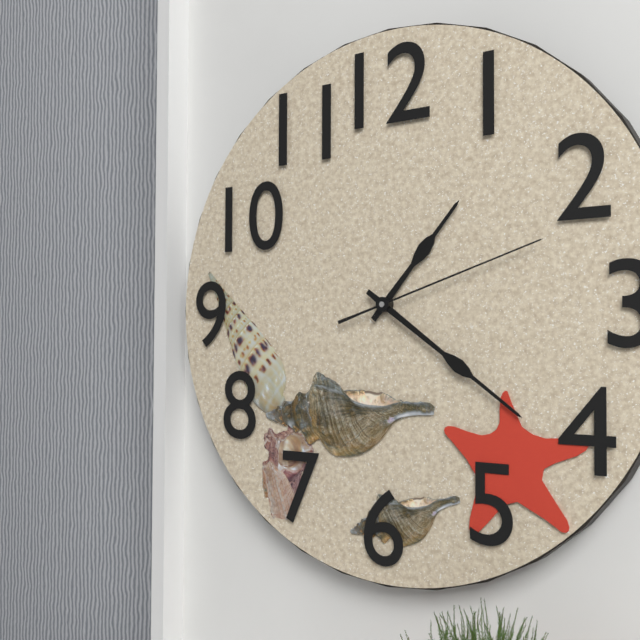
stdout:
1h21m12s
